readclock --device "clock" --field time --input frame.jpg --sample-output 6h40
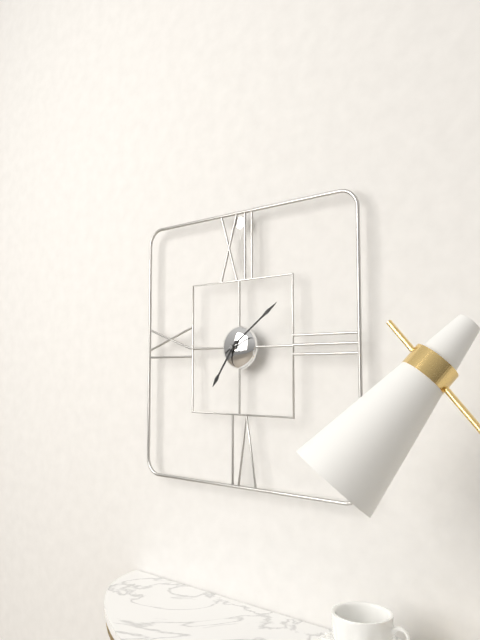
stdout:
7h09
